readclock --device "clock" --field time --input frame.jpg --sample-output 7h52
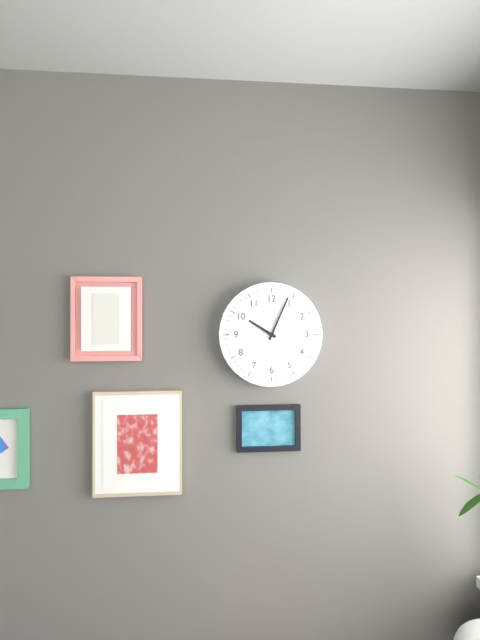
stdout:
10h04
